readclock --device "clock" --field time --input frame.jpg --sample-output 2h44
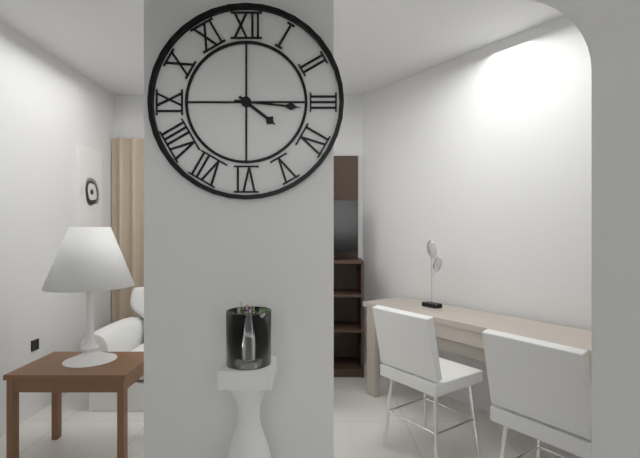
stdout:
4h16
